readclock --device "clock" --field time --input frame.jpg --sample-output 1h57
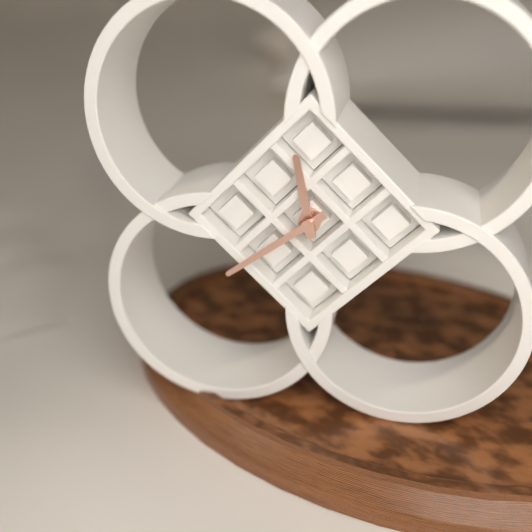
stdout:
11h39
